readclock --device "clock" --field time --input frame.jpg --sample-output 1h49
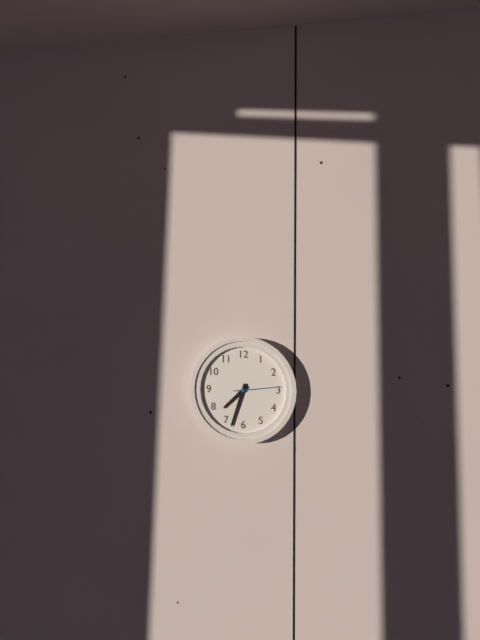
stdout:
7h33
